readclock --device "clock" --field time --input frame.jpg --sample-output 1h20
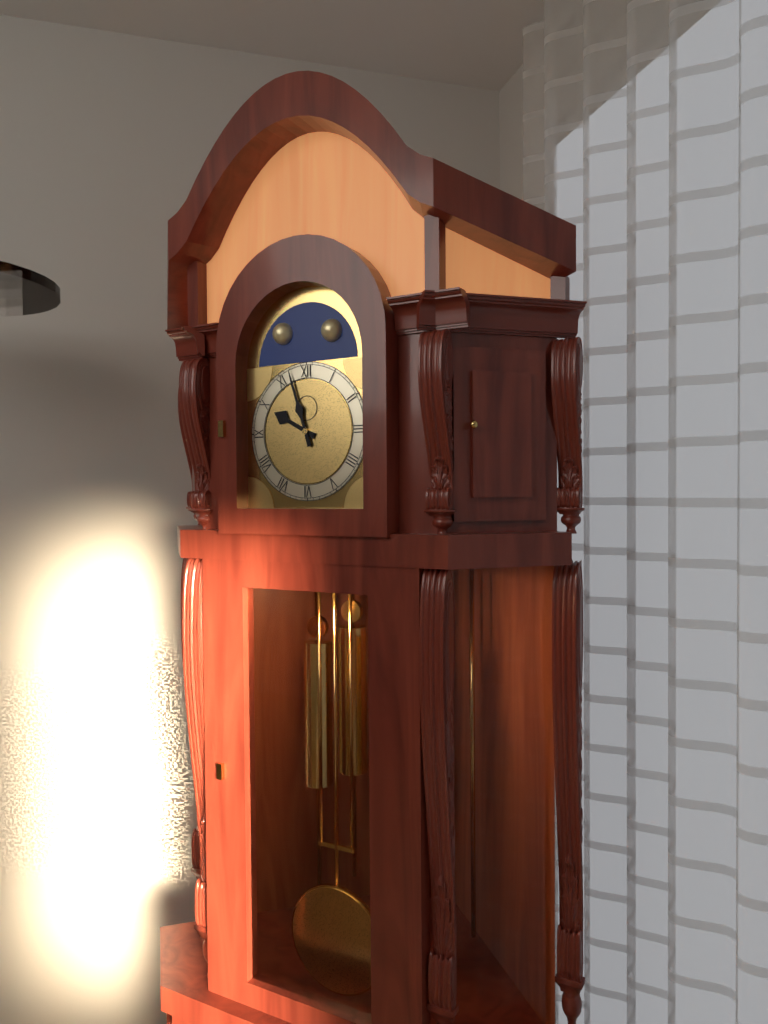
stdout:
9h57
